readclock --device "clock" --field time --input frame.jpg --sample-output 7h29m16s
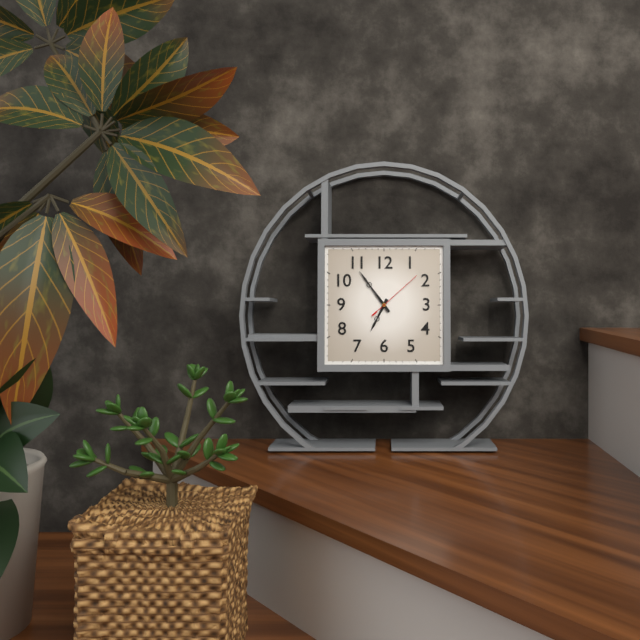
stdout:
6h54m08s
